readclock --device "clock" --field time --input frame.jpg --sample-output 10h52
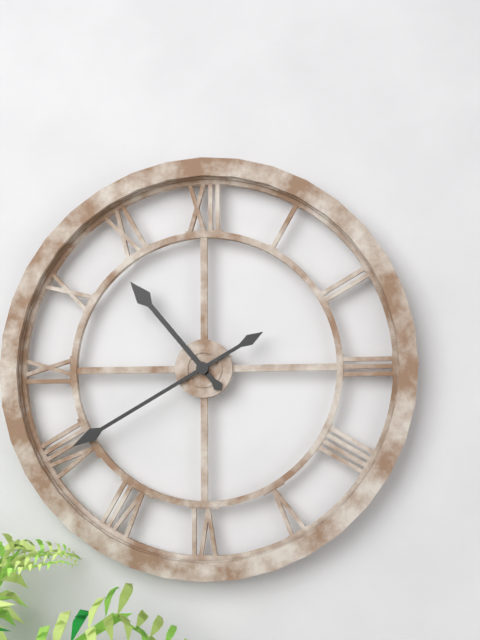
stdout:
10h40
